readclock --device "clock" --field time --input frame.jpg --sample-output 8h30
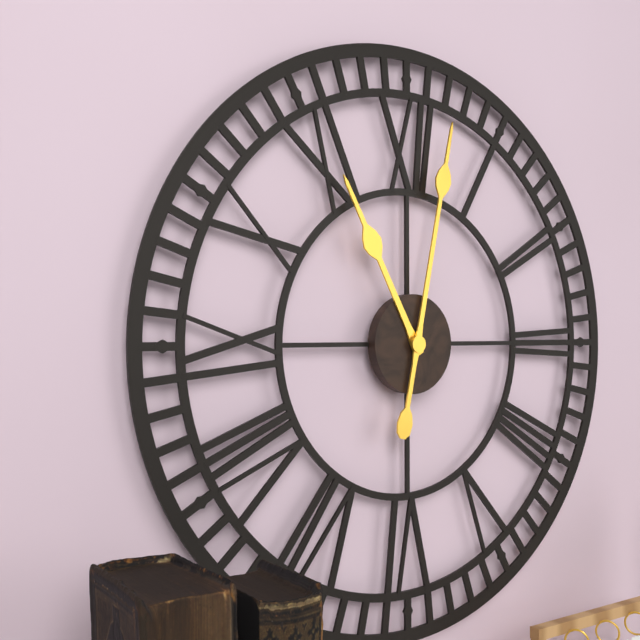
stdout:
11h02
